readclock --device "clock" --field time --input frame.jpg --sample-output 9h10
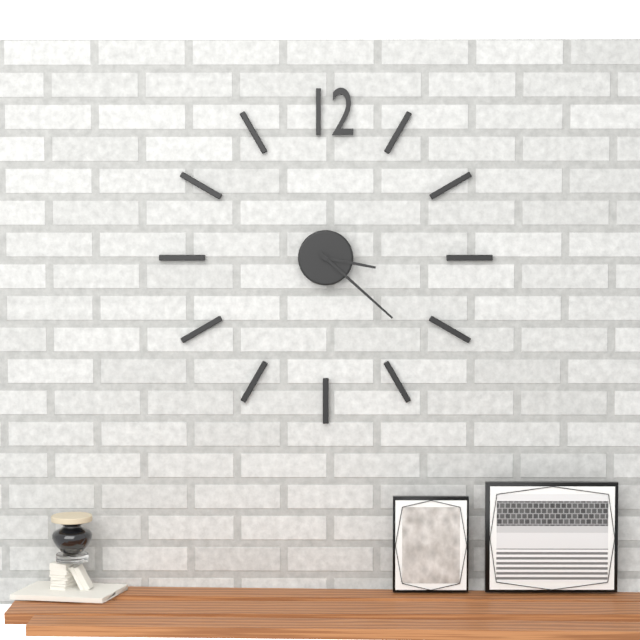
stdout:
3h22
